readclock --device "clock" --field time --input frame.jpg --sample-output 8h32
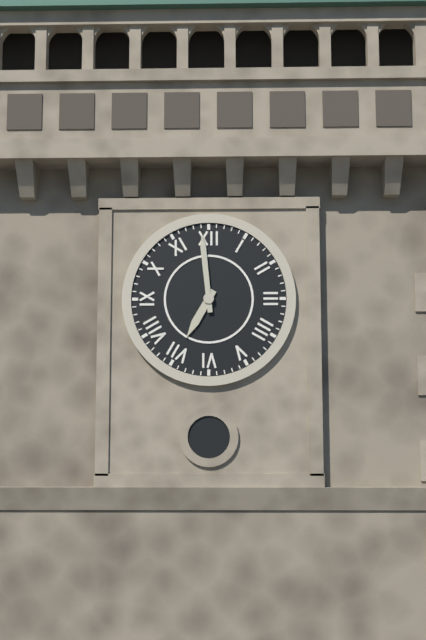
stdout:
6h59
